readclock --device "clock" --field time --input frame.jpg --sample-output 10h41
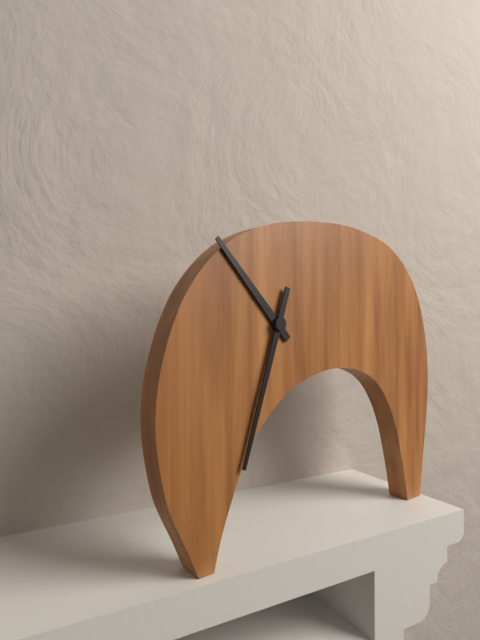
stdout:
10h33
